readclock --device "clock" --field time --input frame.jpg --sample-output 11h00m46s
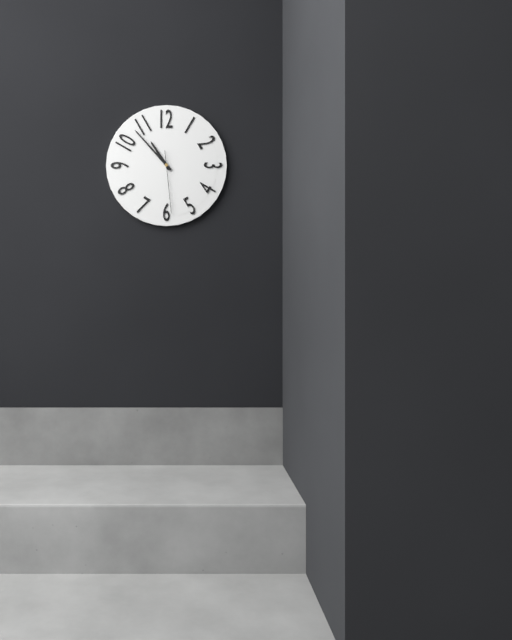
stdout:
10h53m29s
